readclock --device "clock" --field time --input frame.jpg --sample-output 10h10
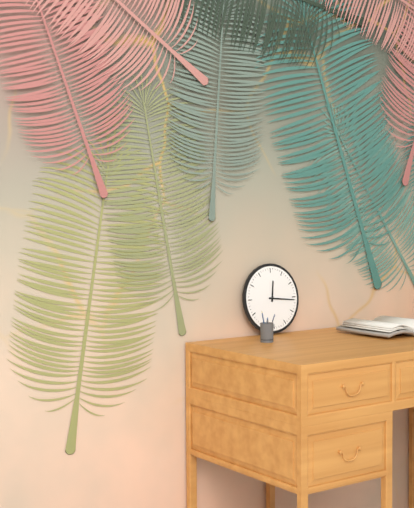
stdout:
12h16
